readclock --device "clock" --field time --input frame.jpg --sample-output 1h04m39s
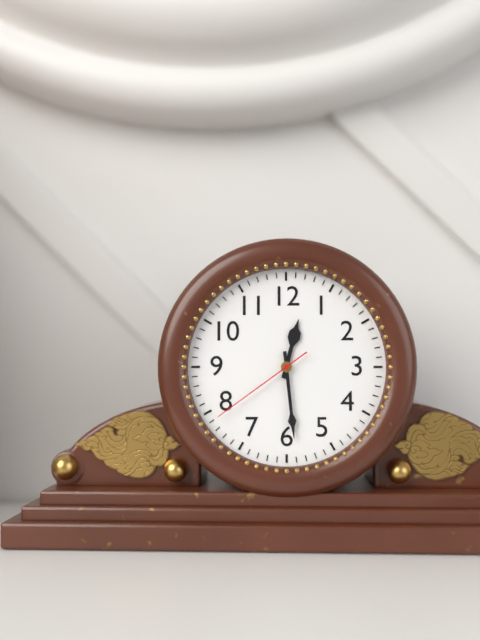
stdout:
12h29m39s
